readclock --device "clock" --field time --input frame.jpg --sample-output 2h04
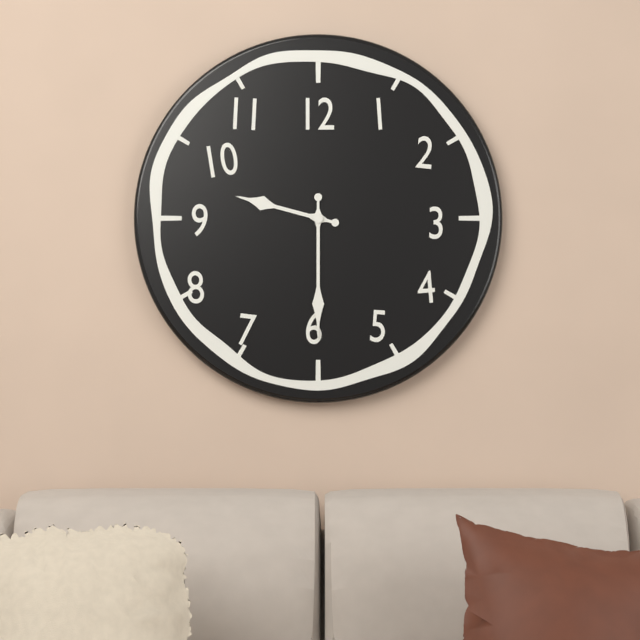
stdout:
9h30
